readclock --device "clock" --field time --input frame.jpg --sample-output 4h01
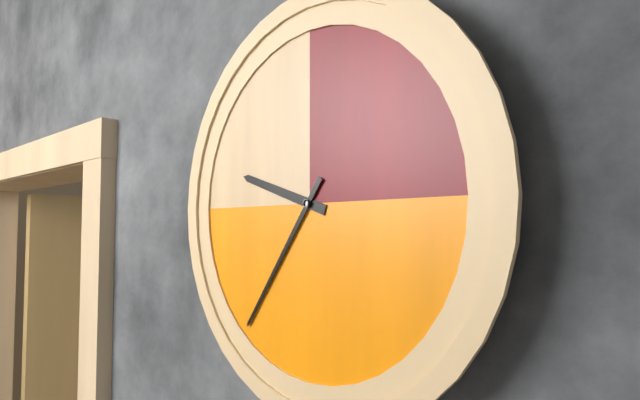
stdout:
9h36
